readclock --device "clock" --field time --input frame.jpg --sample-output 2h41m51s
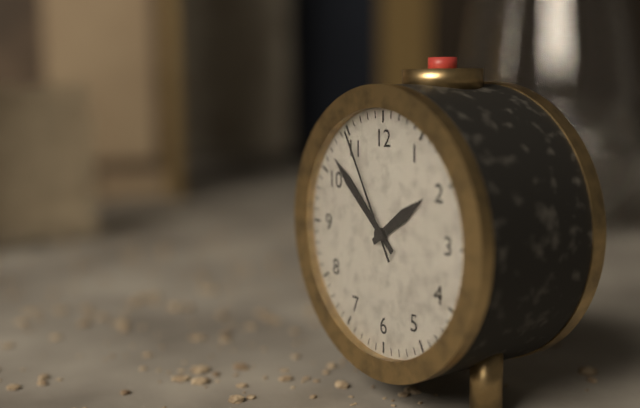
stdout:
1h52m55s
